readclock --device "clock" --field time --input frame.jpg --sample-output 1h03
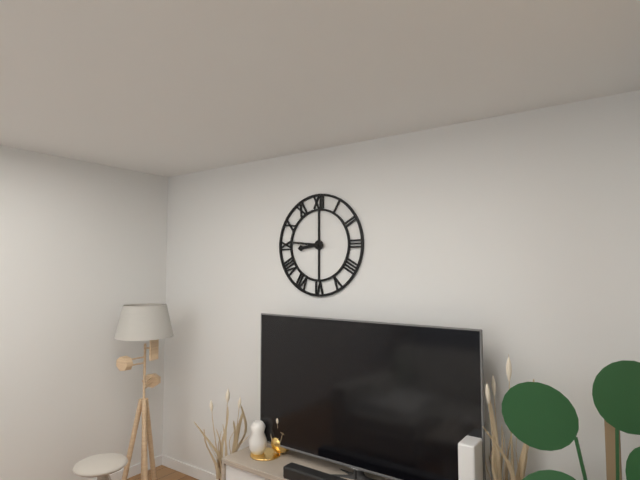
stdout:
8h46
